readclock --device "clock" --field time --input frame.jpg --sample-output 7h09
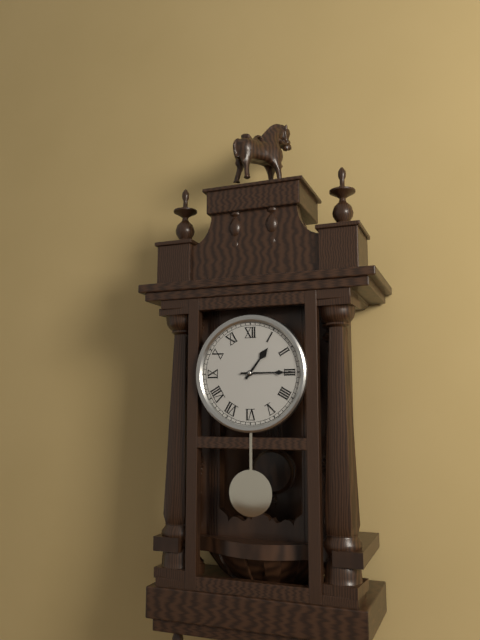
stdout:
1h15
